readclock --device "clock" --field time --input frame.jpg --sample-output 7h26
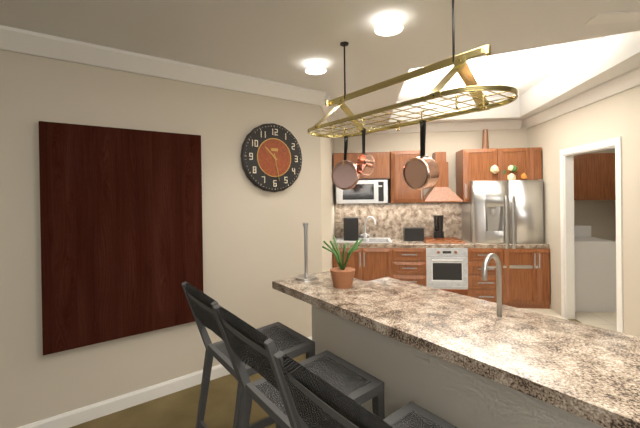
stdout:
10h28
